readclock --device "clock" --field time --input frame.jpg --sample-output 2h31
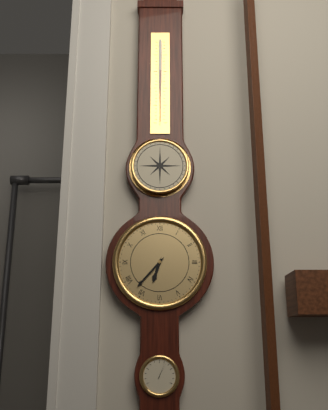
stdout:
6h37
